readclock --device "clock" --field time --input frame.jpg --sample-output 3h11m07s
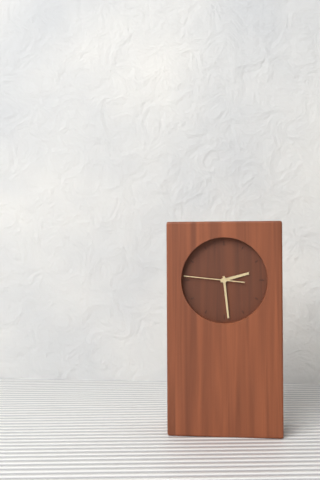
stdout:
2h29m46s
